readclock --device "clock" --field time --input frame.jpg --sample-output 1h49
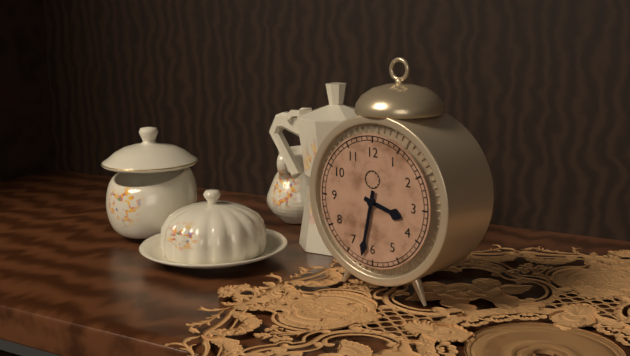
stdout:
3h32
